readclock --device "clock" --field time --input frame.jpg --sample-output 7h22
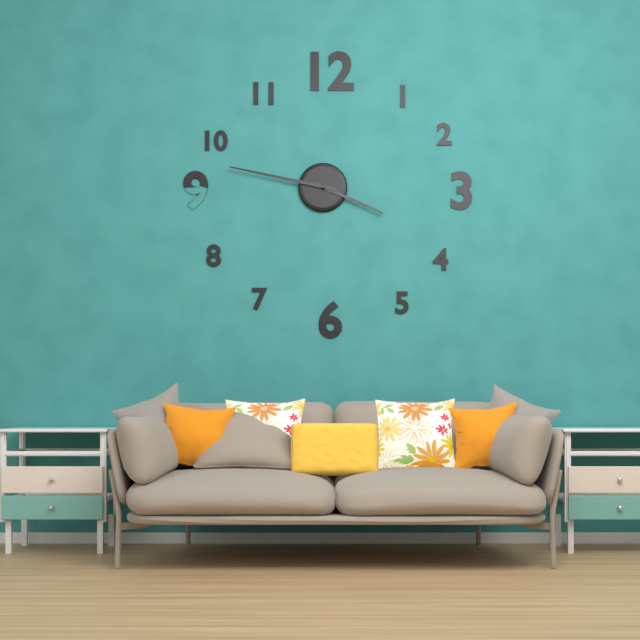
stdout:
3h47
